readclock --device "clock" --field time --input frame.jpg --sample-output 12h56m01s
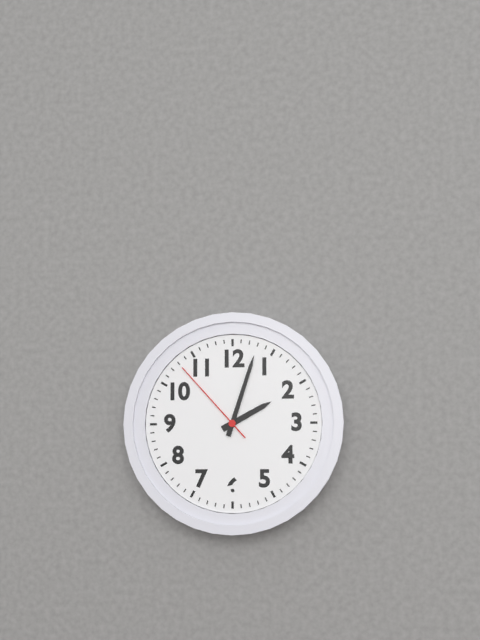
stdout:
2h03m53s
